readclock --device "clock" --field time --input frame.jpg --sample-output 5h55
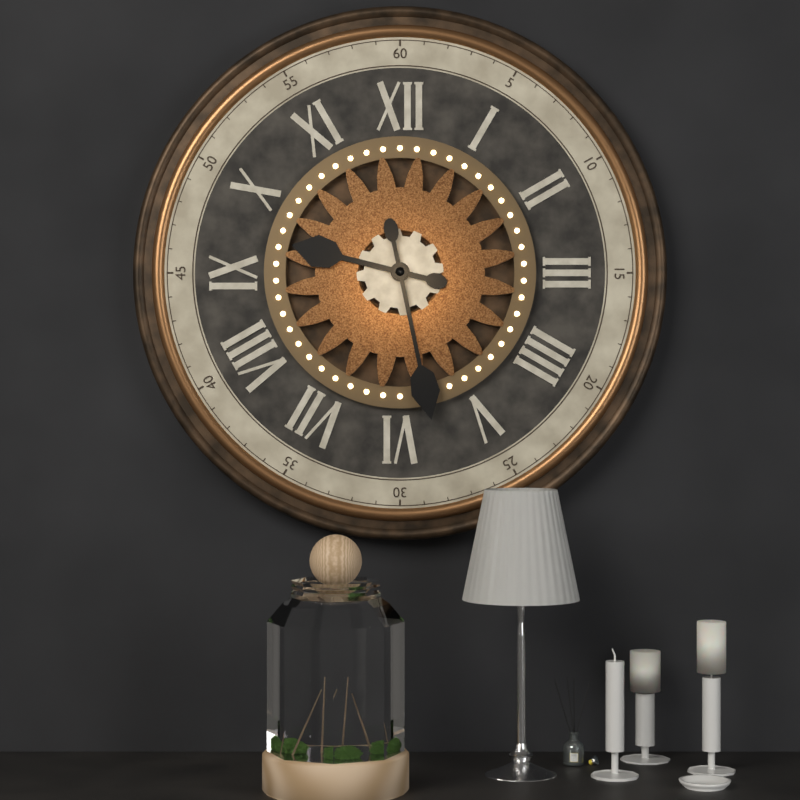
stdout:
9h28
